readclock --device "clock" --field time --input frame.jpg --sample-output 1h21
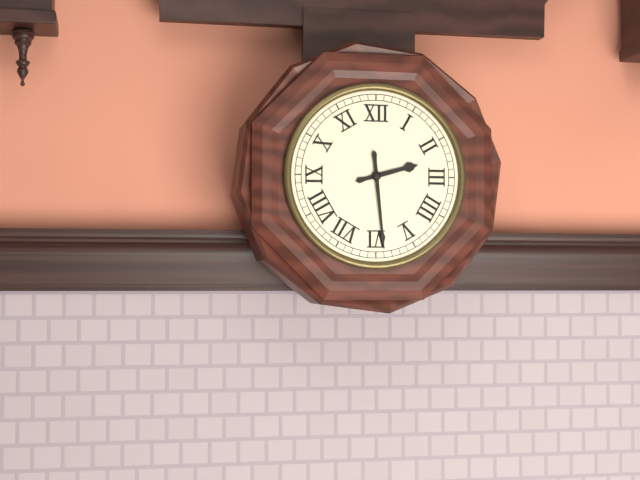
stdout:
2h29
